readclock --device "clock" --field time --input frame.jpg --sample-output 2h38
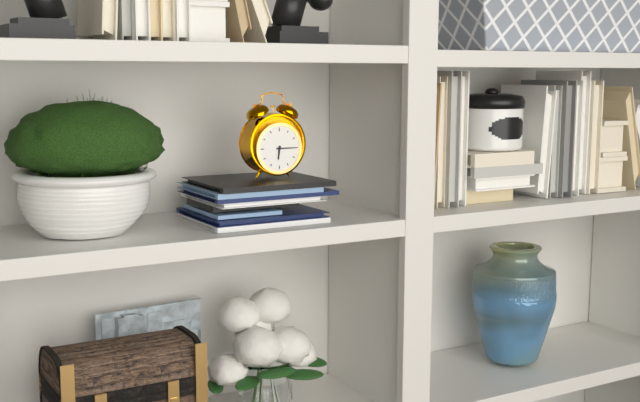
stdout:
6h15
